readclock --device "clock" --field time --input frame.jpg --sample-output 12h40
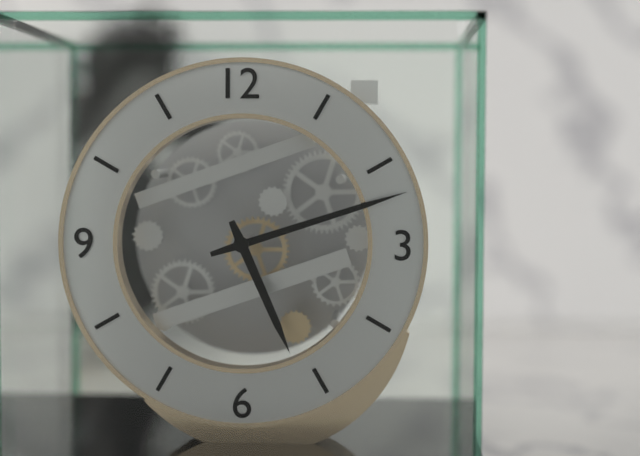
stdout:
5h12
